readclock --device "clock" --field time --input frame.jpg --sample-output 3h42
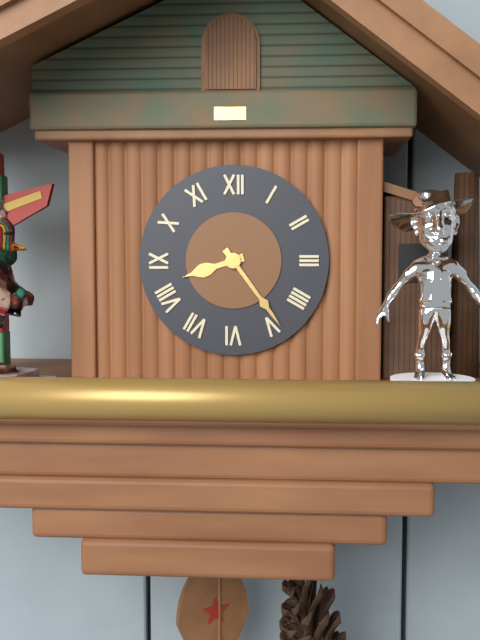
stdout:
8h24
